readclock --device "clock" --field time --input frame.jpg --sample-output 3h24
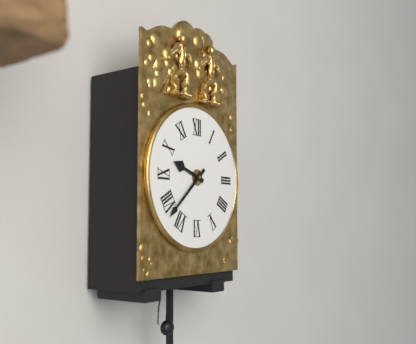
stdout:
9h38
